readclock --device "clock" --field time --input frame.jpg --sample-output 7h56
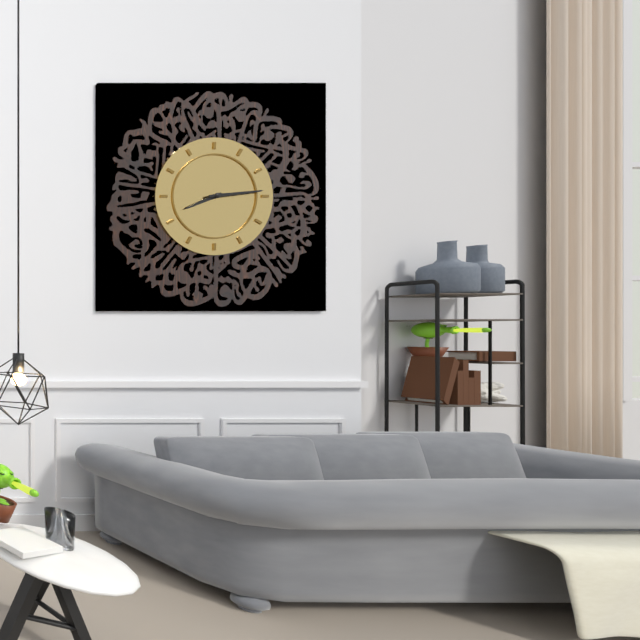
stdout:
8h14
